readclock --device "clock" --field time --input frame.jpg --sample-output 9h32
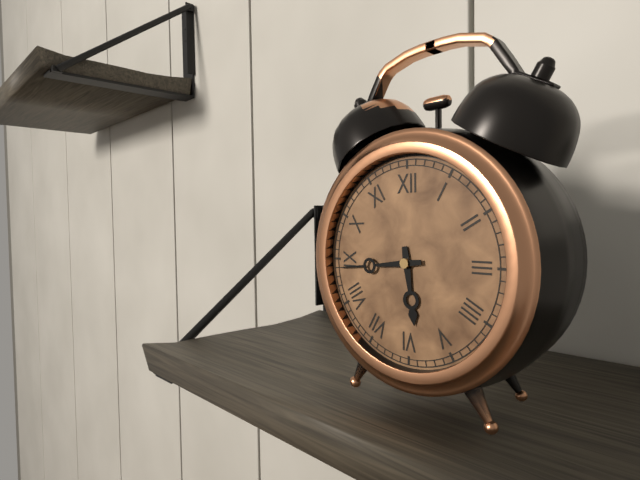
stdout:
5h44
